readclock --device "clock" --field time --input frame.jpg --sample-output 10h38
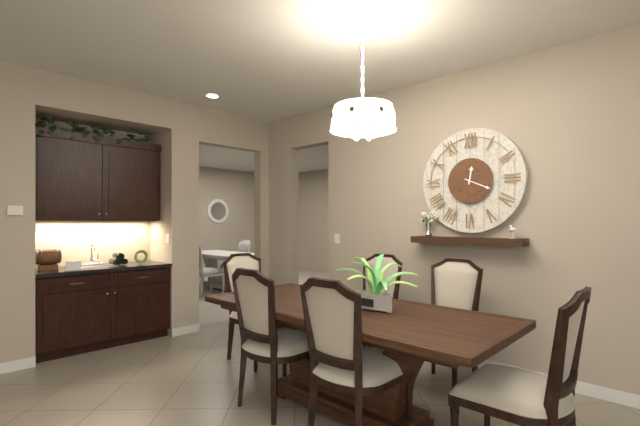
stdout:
12h19
